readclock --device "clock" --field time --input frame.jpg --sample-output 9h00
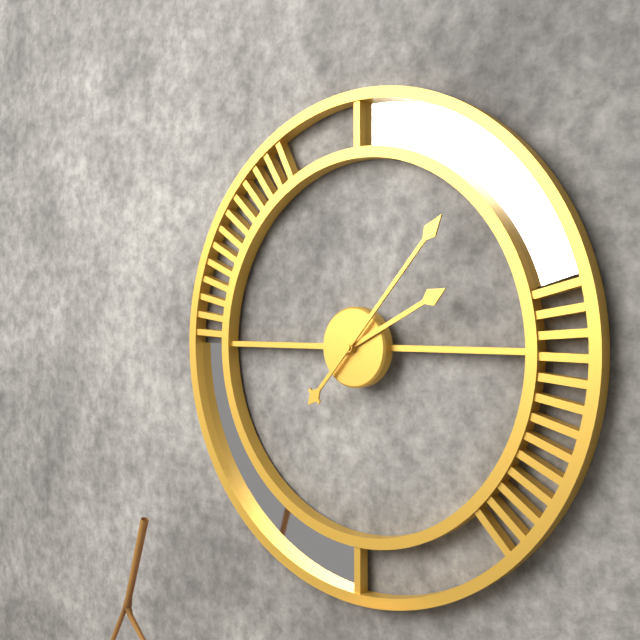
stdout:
2h07
